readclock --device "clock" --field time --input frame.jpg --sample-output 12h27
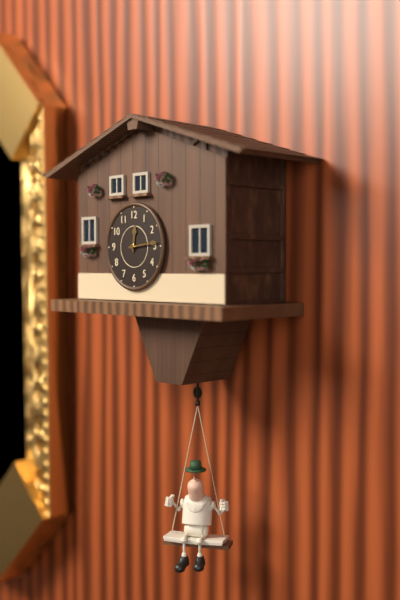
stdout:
12h14
